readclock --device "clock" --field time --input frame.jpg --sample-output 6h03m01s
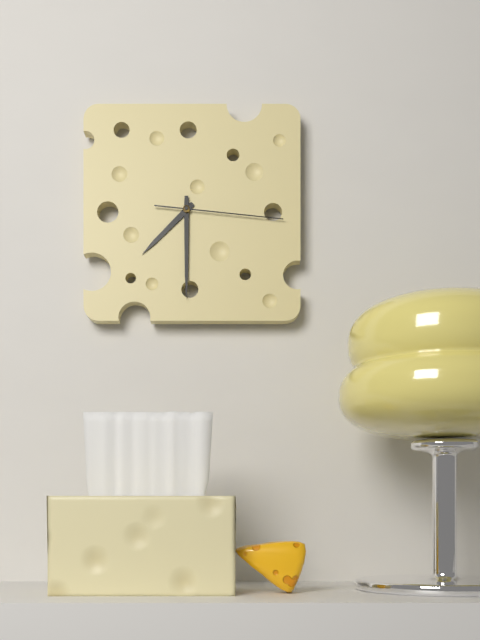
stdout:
7h30m16s
